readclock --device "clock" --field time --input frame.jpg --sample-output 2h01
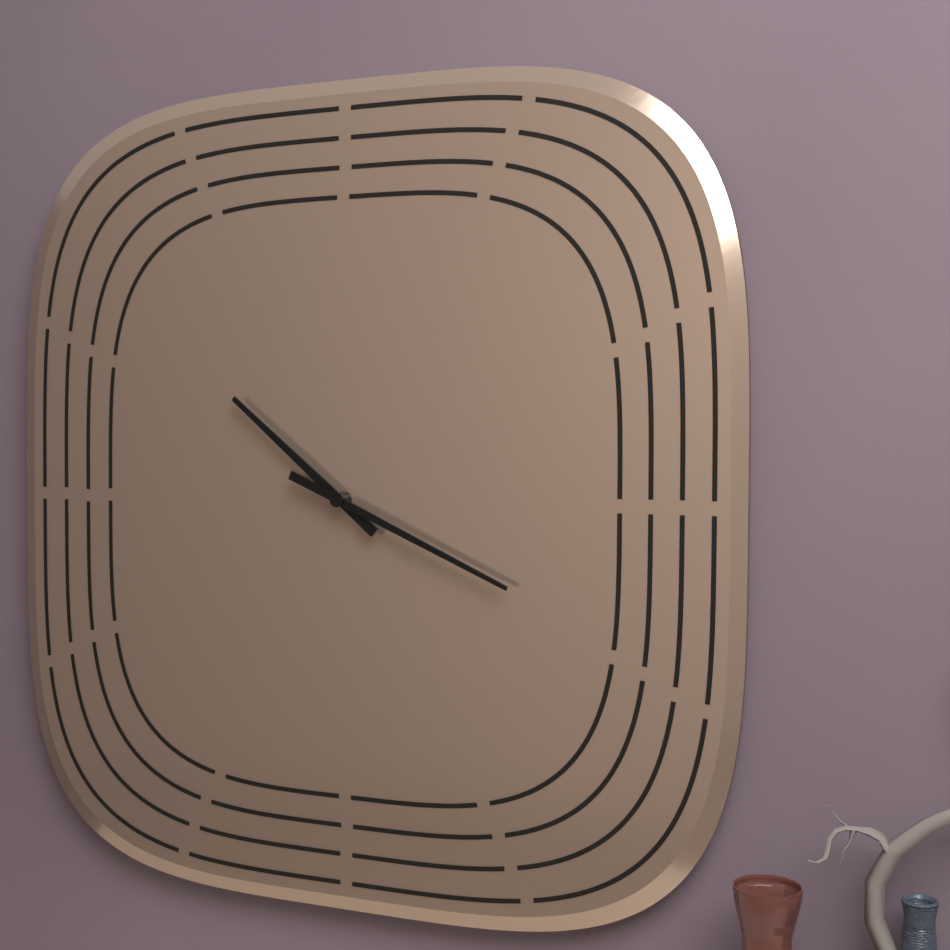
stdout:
10h19
